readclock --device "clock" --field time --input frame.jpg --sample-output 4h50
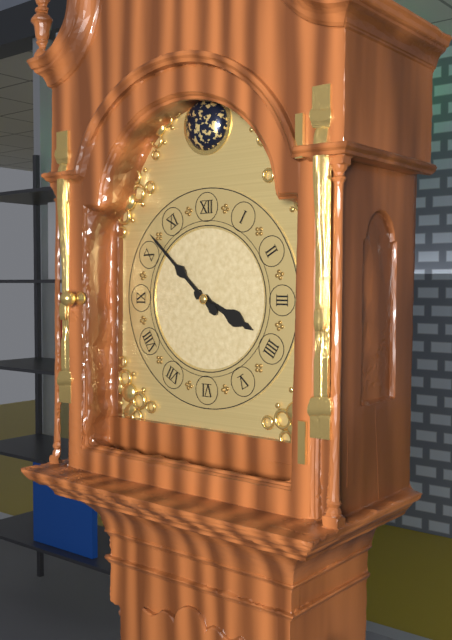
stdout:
3h52
